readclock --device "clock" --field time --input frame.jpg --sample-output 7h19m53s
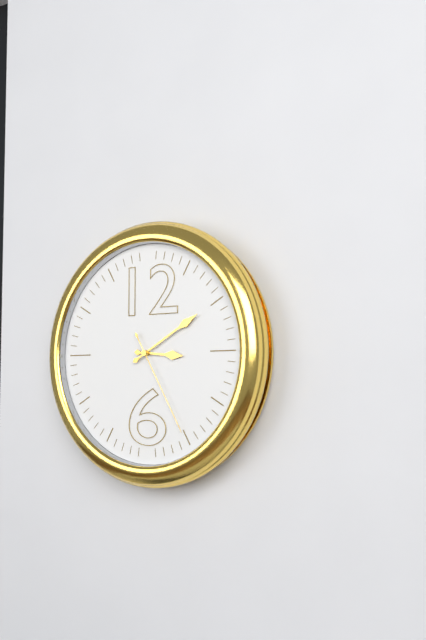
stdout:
3h10m25s
